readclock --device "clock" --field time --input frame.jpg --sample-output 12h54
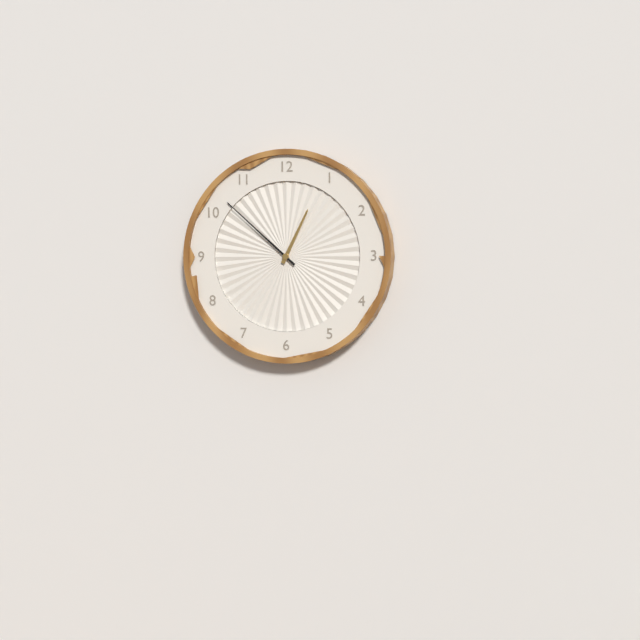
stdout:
12h52
